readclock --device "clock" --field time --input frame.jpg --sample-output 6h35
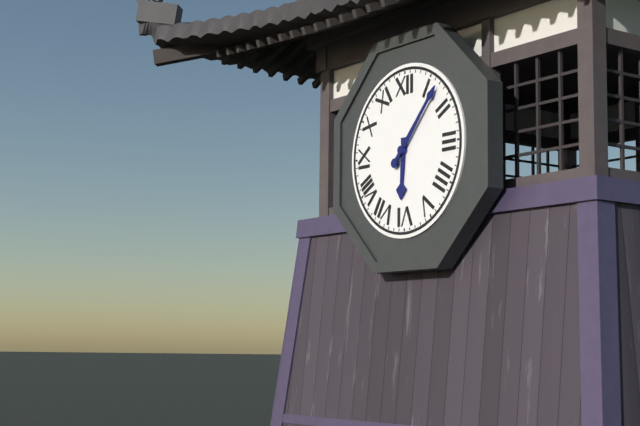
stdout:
6h07
